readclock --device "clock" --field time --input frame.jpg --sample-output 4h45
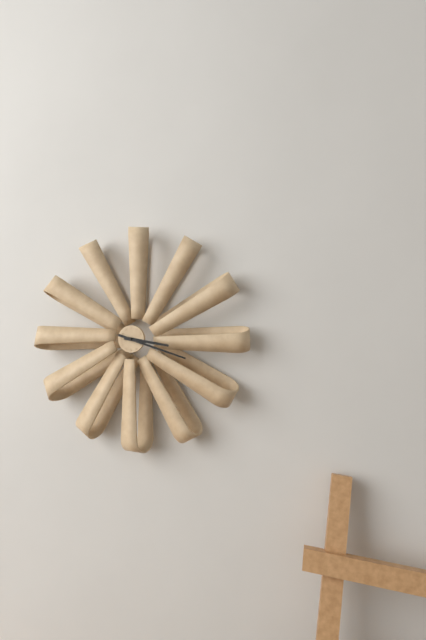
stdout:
3h18
